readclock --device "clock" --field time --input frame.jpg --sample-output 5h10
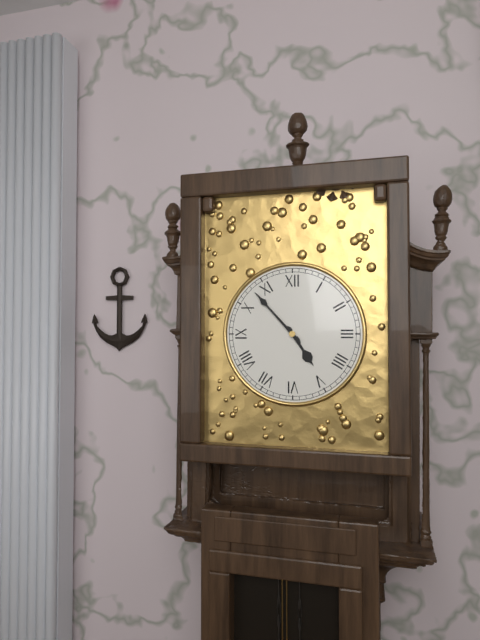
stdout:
4h53
